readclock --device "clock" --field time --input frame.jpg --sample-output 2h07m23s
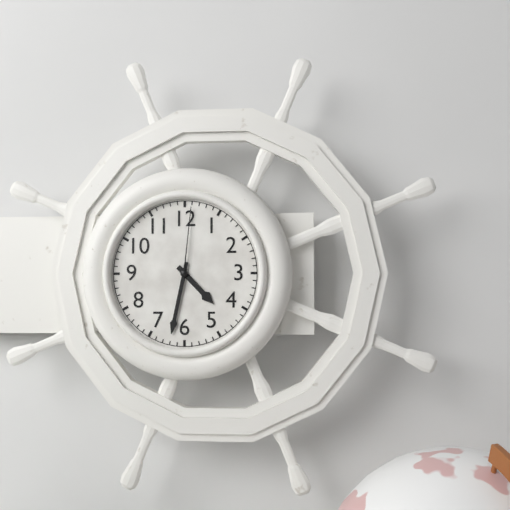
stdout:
4h32m01s
